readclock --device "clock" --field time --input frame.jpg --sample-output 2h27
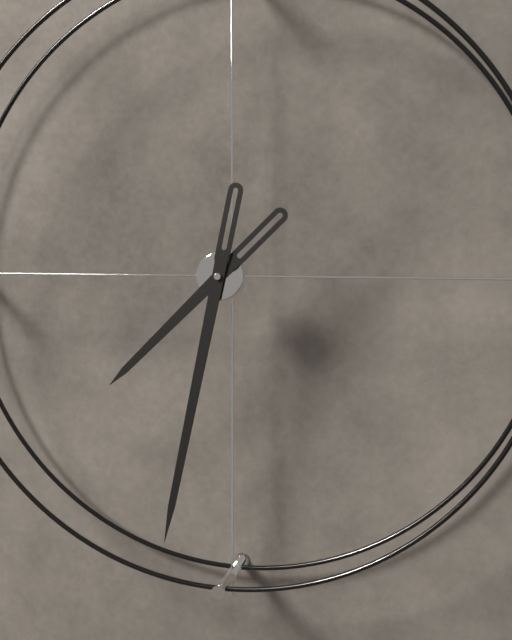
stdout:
7h32
